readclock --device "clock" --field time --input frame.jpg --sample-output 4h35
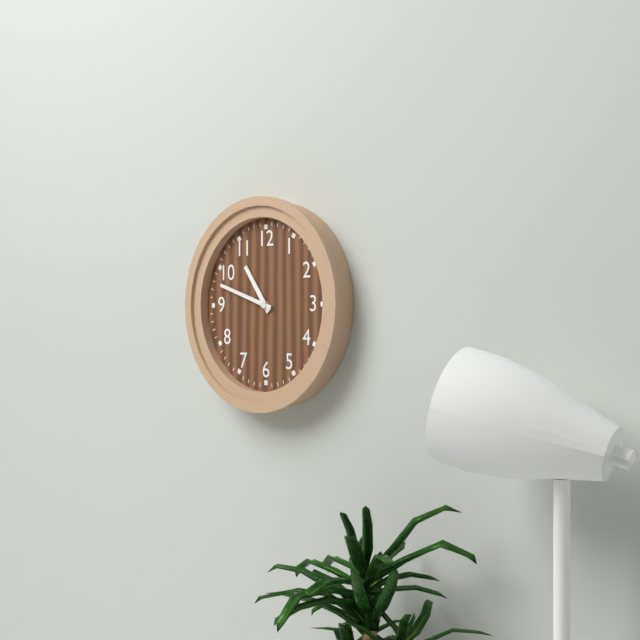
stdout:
10h48
